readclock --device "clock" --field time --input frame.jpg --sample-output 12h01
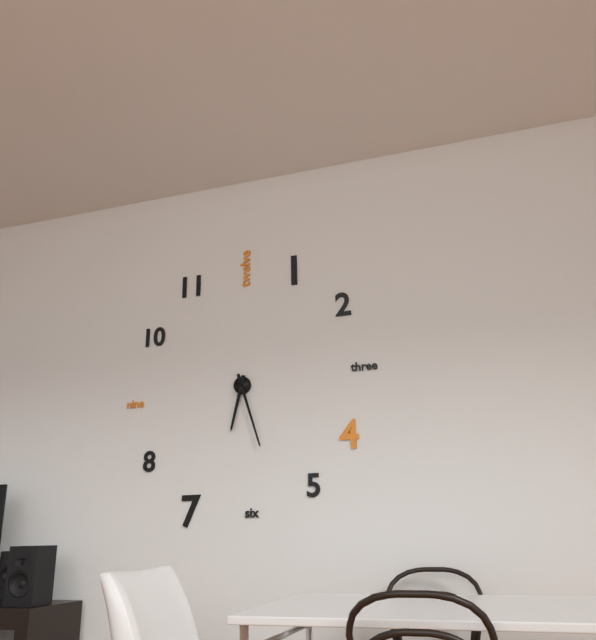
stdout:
6h27
